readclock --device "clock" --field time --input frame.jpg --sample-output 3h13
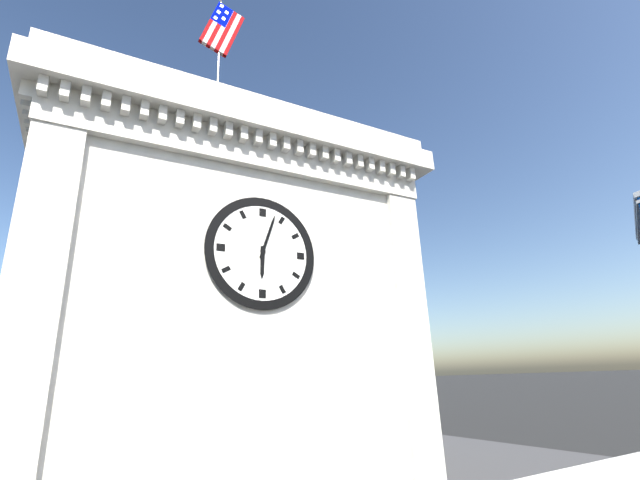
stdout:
6h03
